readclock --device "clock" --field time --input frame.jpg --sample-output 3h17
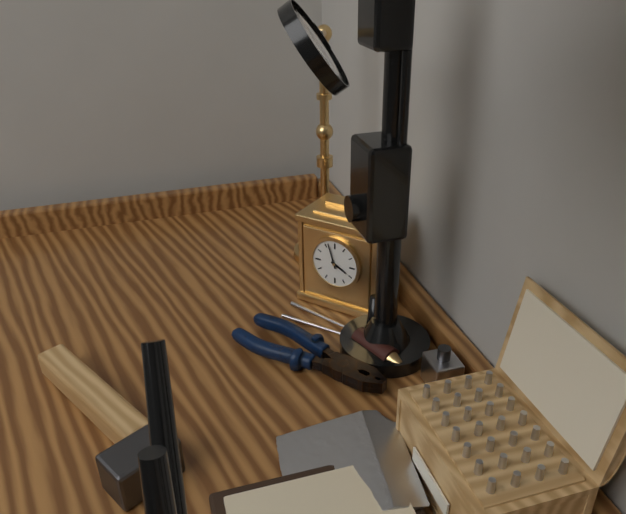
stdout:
3h57
